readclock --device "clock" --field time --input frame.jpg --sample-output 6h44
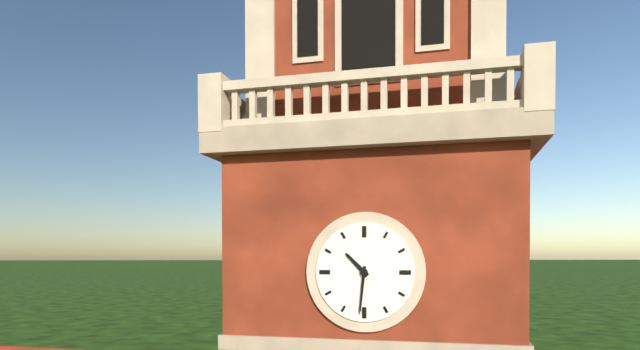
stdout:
10h31
